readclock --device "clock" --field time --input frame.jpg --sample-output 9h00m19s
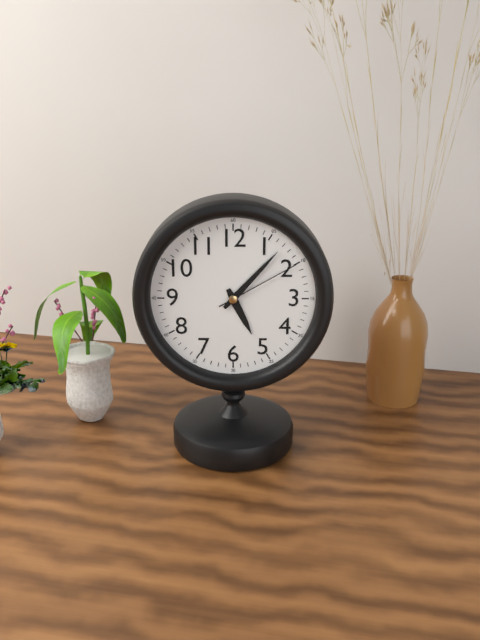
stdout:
5h07m10s
